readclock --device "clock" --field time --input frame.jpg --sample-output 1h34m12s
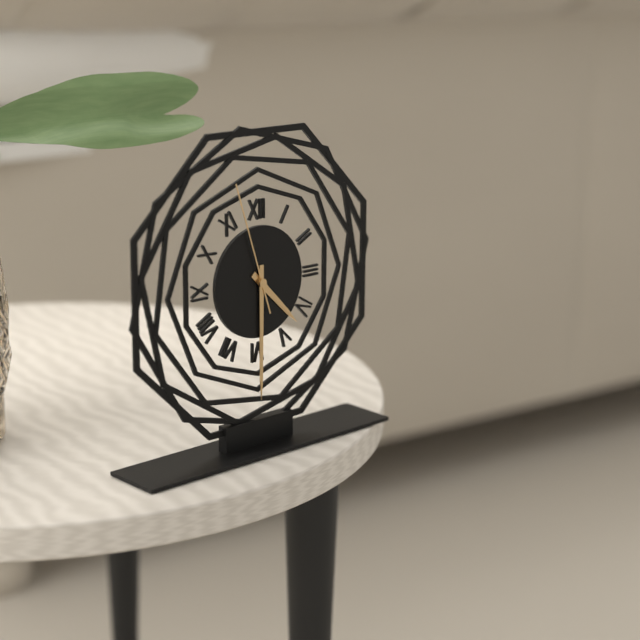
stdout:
4h30m57s
